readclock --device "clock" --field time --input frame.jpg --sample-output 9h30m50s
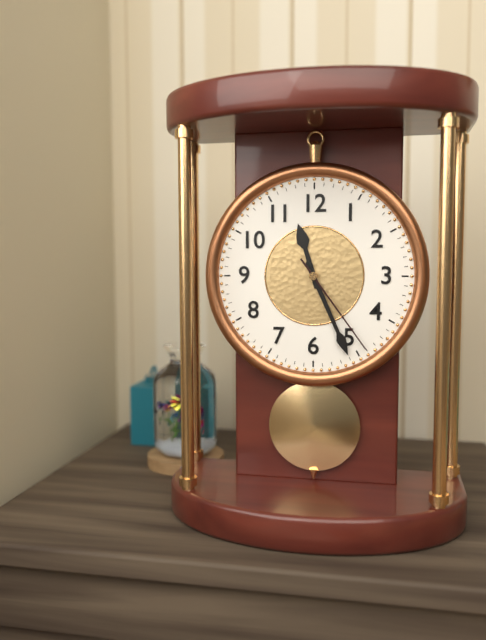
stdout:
11h26m24s
